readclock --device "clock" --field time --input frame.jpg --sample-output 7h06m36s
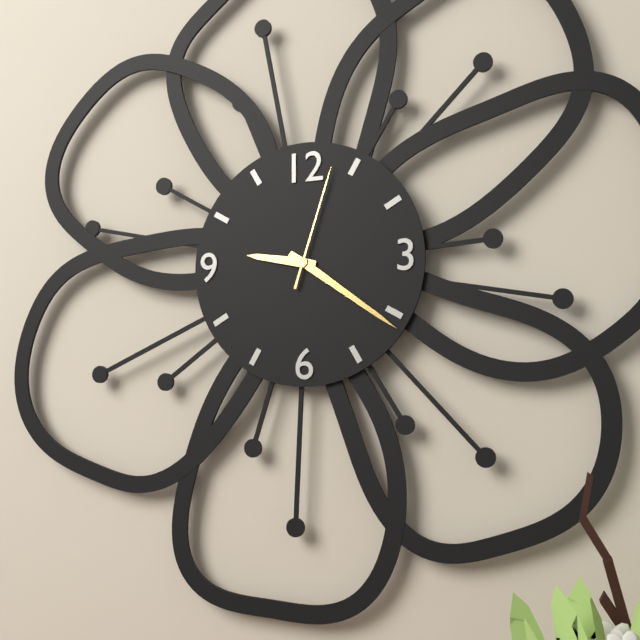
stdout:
9h21m03s
